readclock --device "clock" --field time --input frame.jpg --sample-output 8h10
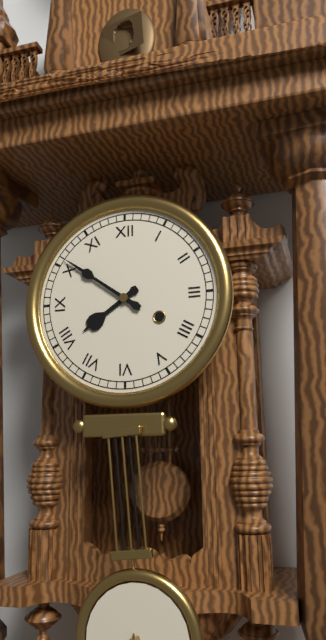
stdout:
7h51
